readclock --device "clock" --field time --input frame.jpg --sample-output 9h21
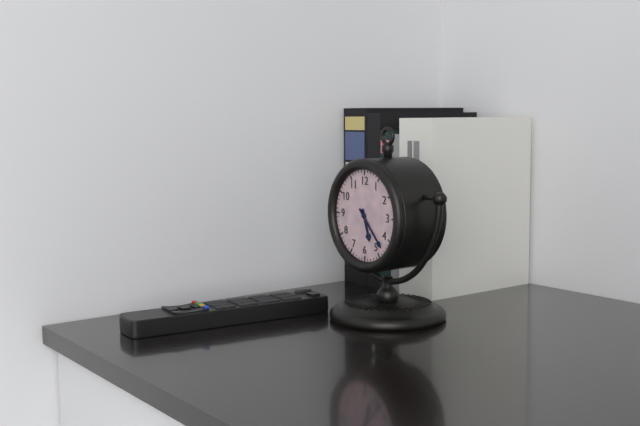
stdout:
5h23
